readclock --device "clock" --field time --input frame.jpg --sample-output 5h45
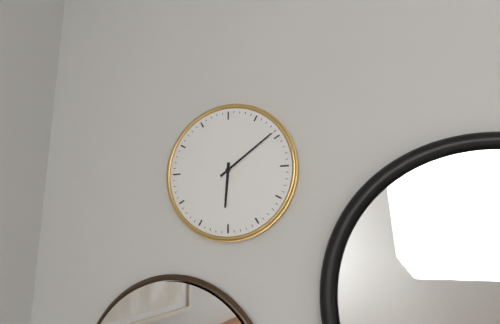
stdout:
6h09
